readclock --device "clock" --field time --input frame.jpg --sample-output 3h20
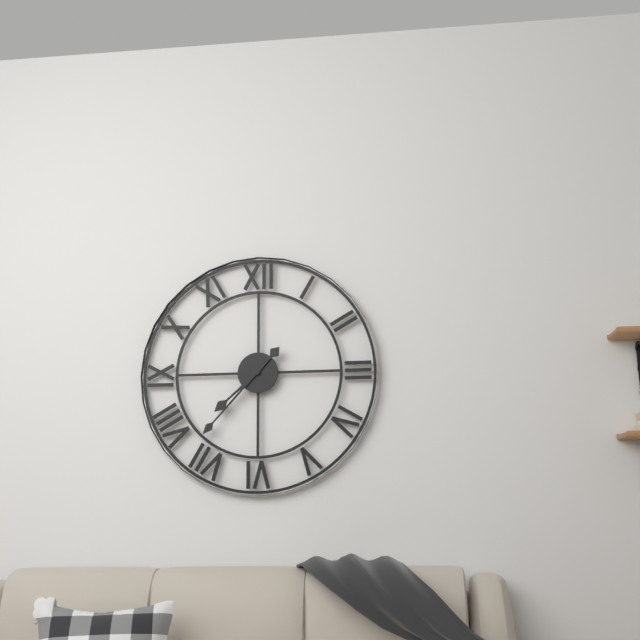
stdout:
7h37
